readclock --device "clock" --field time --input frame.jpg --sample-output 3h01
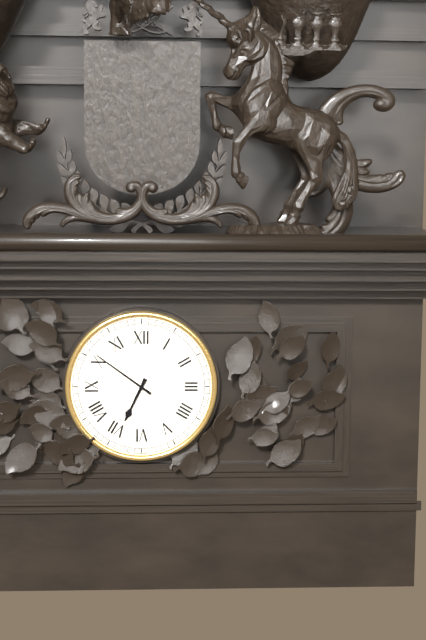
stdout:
6h51
